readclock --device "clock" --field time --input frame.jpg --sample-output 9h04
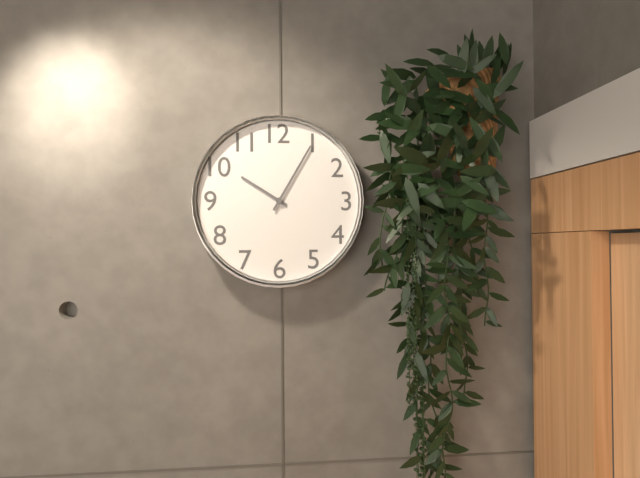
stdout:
10h05
